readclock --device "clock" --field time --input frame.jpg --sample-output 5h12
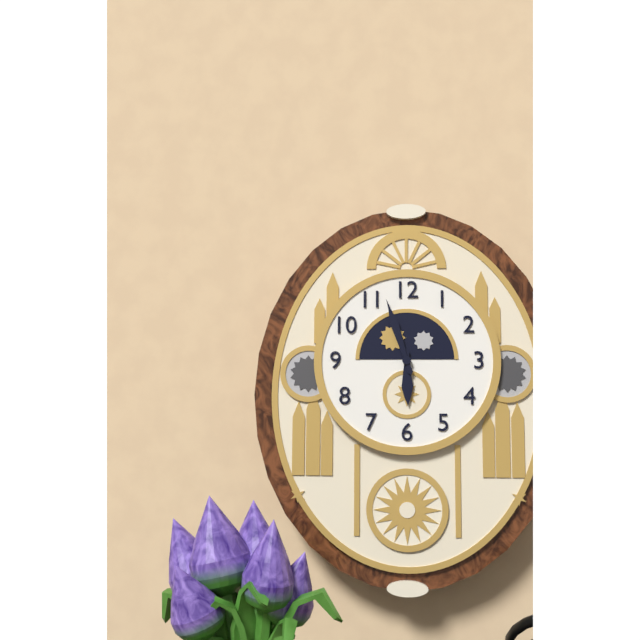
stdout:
5h57
